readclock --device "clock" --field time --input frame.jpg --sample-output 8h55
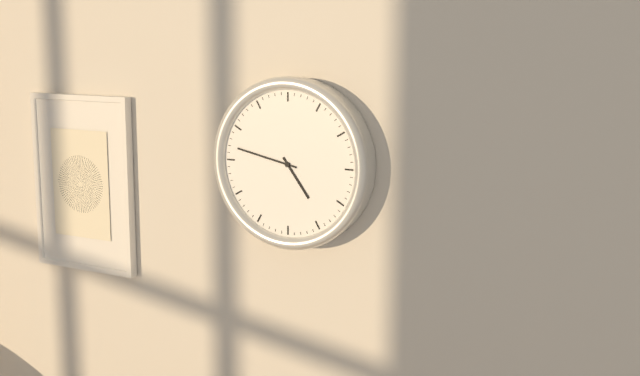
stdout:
4h47
